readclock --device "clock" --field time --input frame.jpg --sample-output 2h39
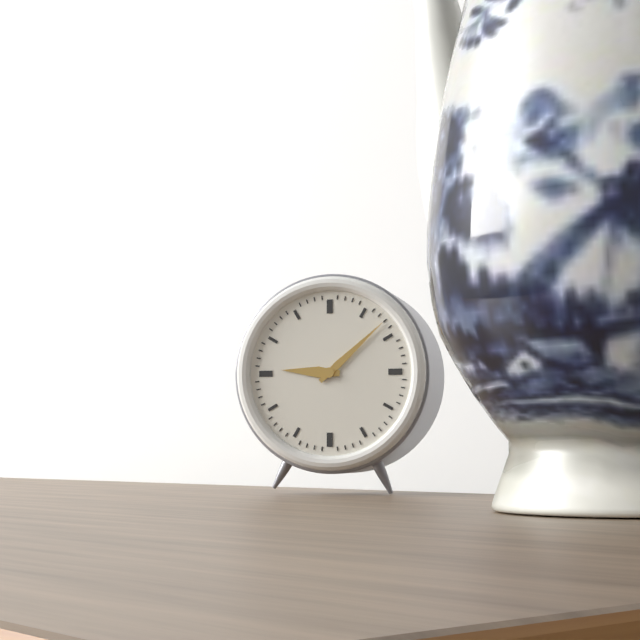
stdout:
9h08
